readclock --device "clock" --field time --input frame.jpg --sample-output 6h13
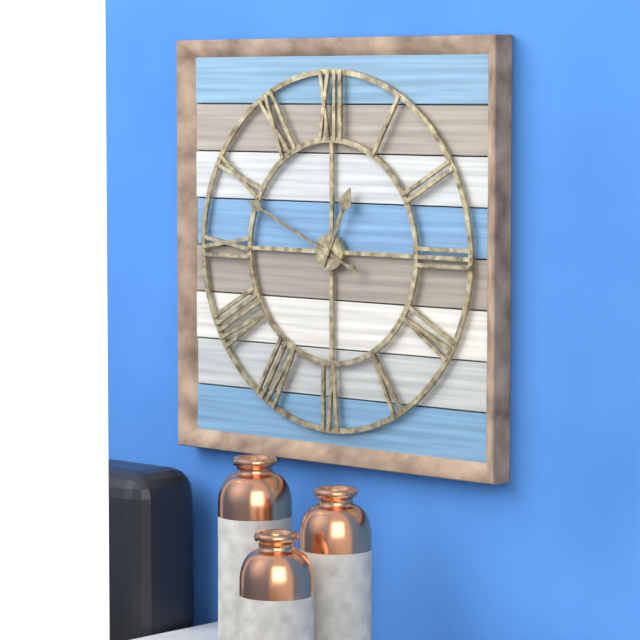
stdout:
12h49
